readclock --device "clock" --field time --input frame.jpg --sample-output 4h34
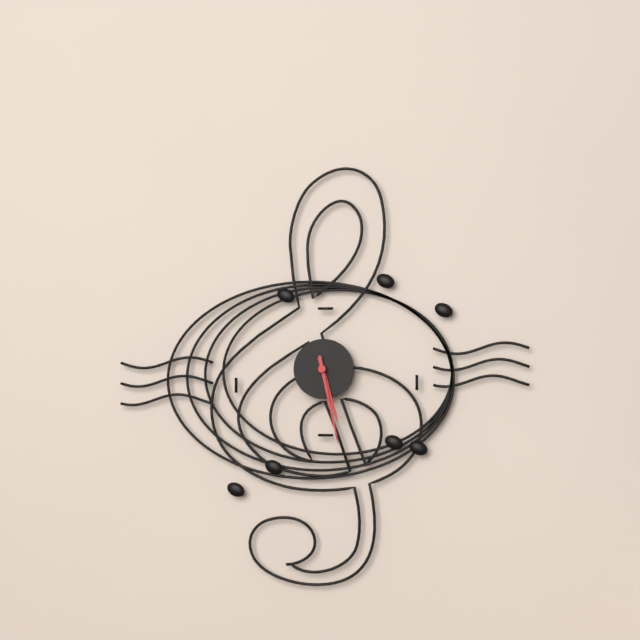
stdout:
5h28
